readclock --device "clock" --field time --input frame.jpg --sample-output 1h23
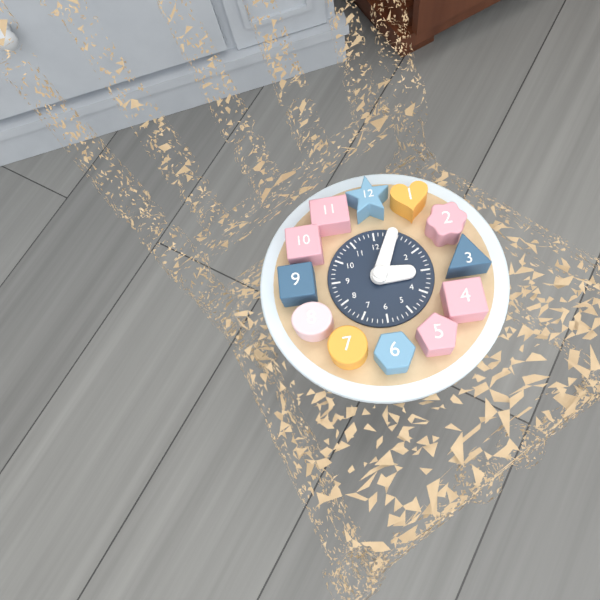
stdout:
3h04
